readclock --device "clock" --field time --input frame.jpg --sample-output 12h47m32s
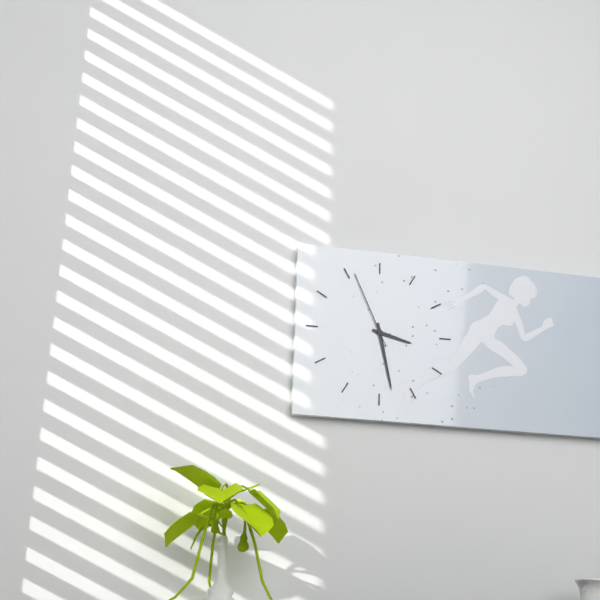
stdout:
3h28m56s
